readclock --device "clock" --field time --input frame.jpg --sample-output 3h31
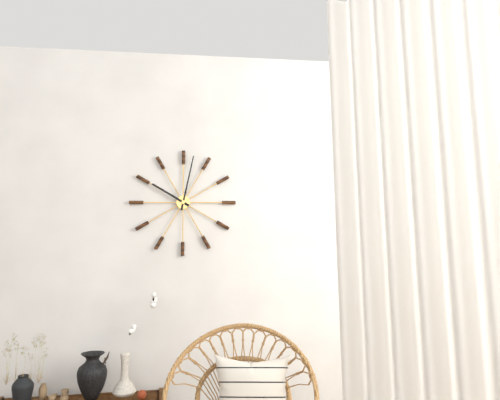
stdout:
10h02
